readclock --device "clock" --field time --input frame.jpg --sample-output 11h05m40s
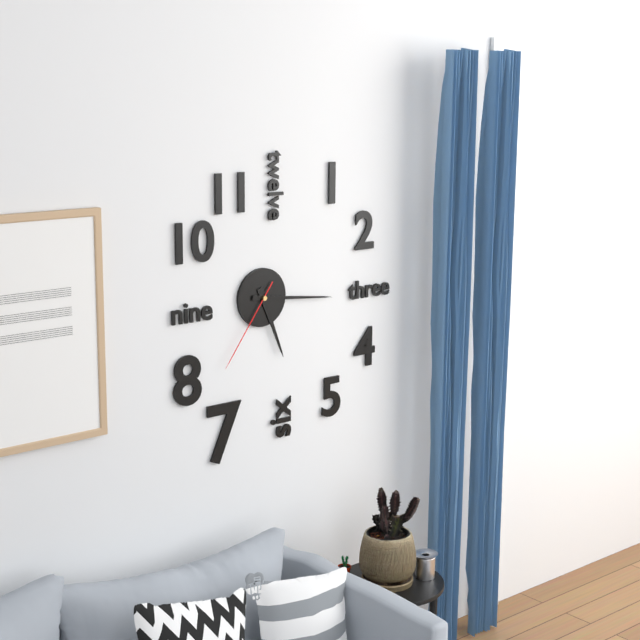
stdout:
5h16m36s
